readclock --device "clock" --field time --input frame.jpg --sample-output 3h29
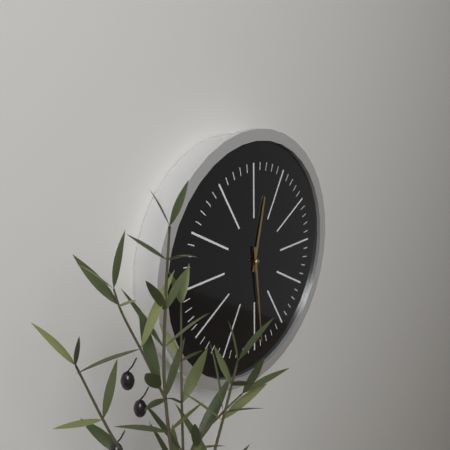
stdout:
12h29
